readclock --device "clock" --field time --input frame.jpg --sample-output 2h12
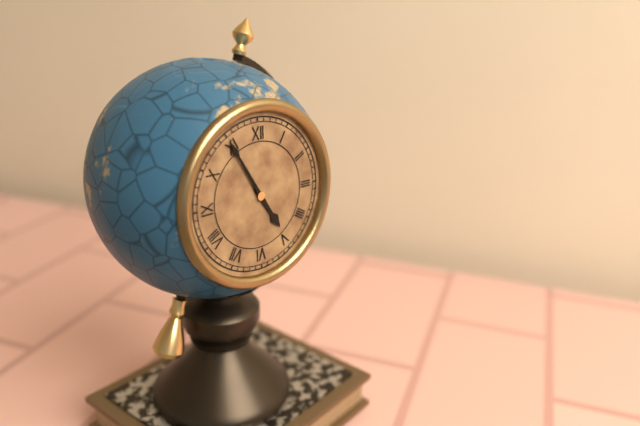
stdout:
4h55
